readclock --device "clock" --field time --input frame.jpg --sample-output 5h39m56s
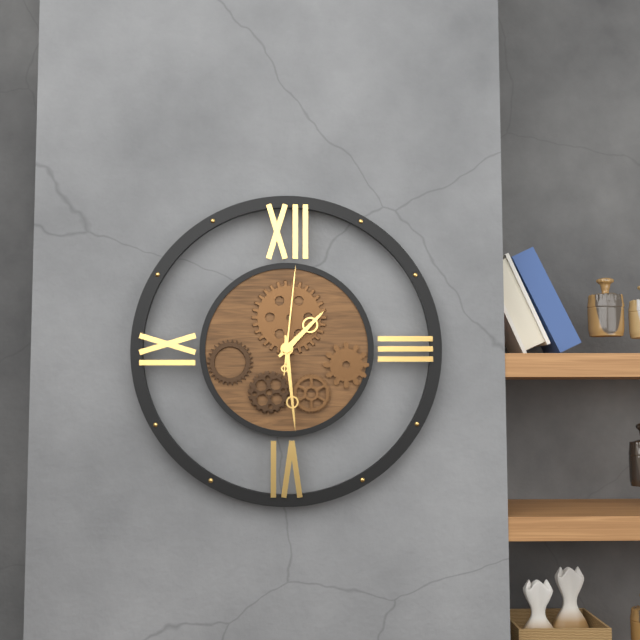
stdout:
1h29m01s
